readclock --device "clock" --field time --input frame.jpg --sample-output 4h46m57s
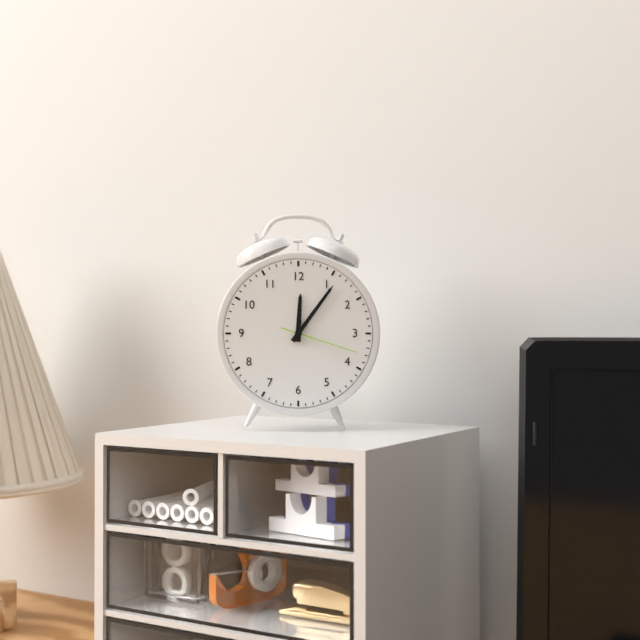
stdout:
12h06m18s
